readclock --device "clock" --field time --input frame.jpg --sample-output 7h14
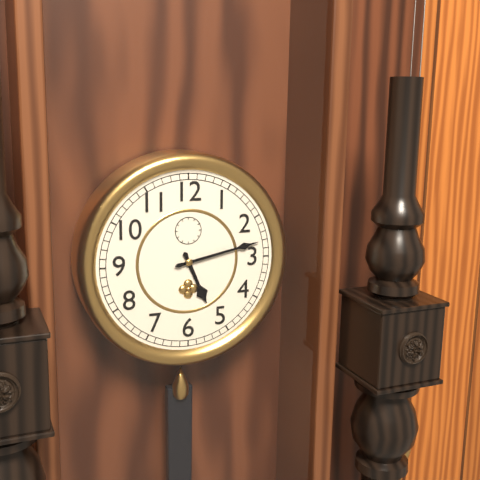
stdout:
5h13
